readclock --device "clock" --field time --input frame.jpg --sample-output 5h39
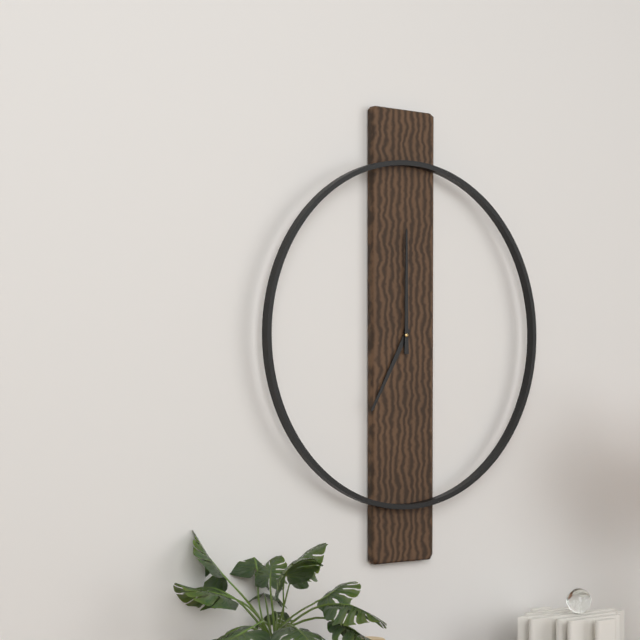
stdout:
7h00
